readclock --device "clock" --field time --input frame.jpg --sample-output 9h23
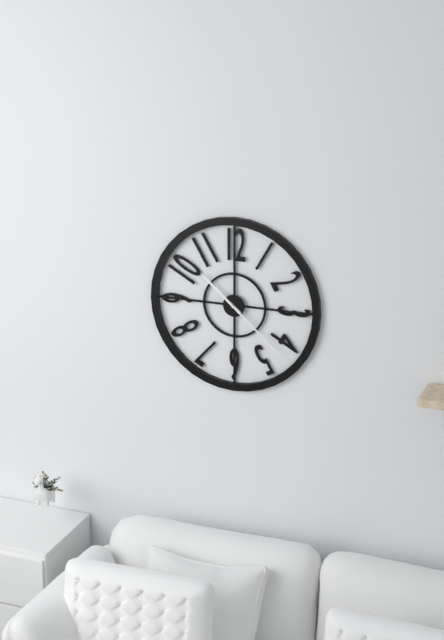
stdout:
10h22
